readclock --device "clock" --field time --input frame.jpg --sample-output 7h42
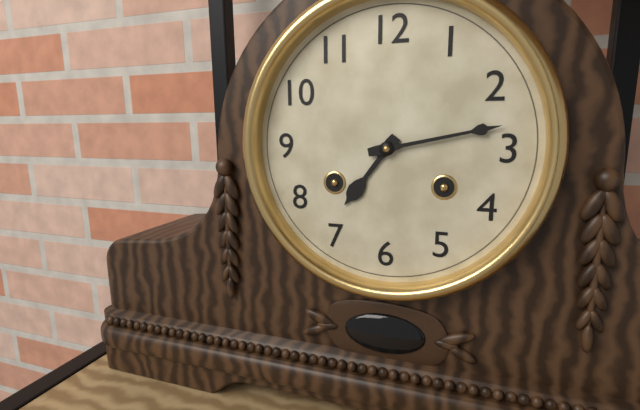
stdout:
7h13
